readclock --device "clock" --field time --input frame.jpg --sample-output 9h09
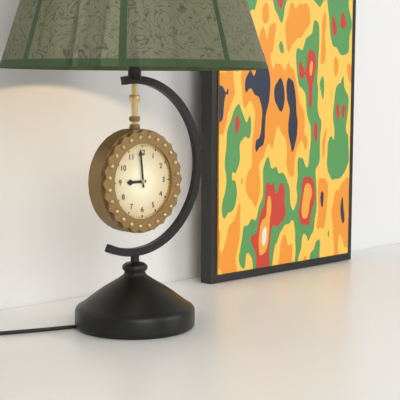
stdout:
8h59
